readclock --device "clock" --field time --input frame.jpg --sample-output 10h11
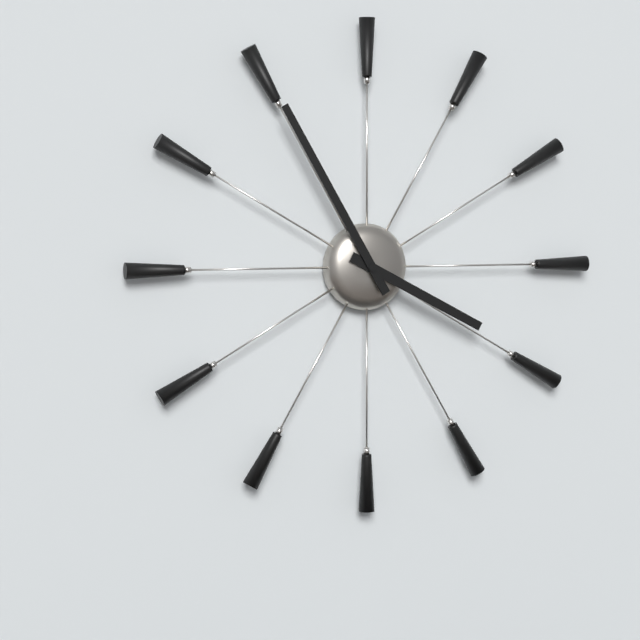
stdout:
3h55
